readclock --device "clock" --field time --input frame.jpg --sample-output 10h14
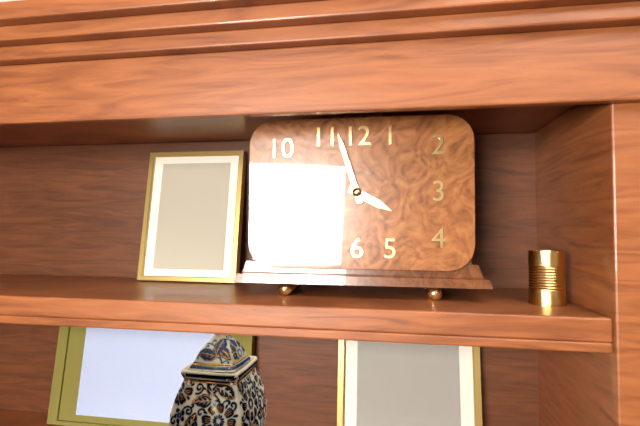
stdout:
3h57
